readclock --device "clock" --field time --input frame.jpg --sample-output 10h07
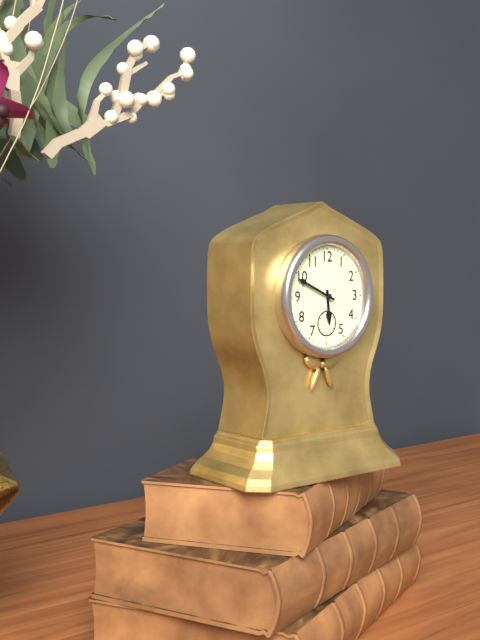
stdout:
5h49
